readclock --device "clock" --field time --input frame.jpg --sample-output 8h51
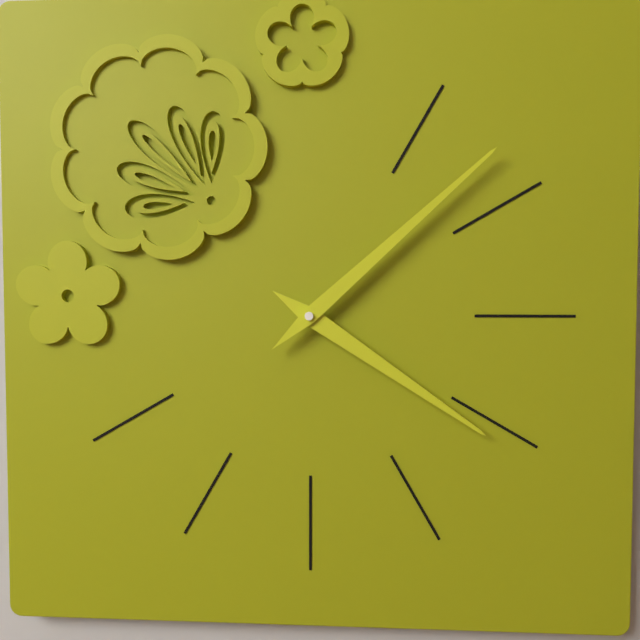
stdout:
4h08
